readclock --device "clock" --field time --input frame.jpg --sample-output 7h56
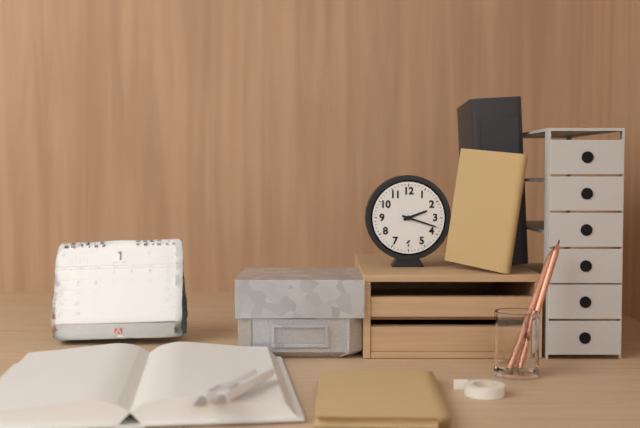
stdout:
2h18
